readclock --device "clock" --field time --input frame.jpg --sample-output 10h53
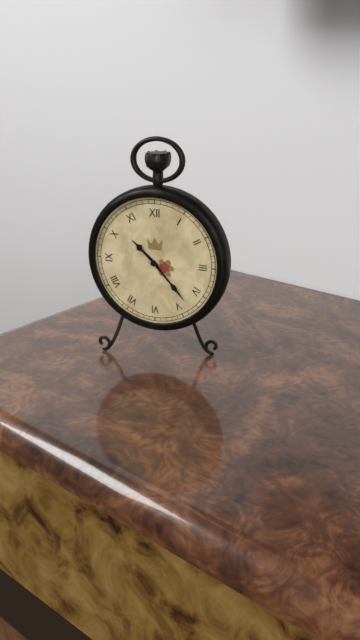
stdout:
10h23
